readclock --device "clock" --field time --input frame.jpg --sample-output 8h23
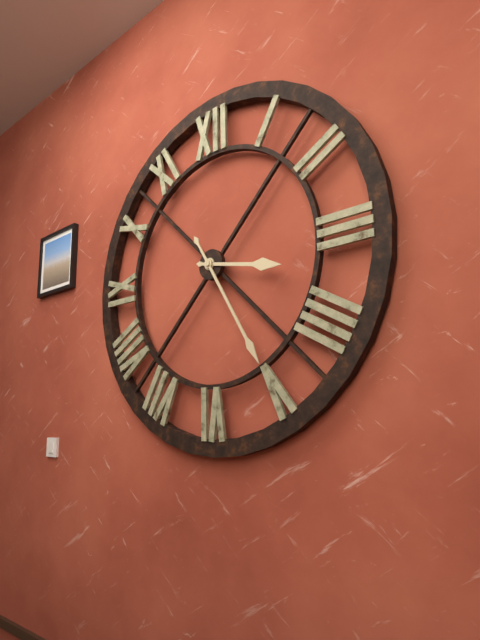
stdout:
3h25
